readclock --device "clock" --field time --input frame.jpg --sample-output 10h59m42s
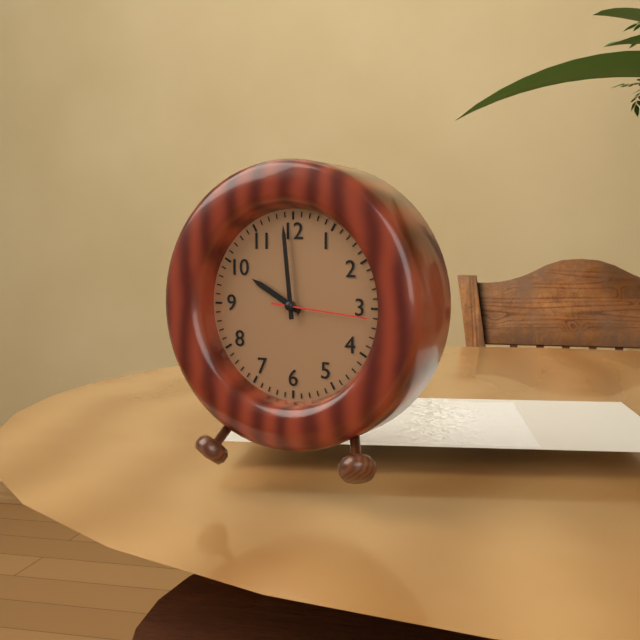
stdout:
9h59m16s
